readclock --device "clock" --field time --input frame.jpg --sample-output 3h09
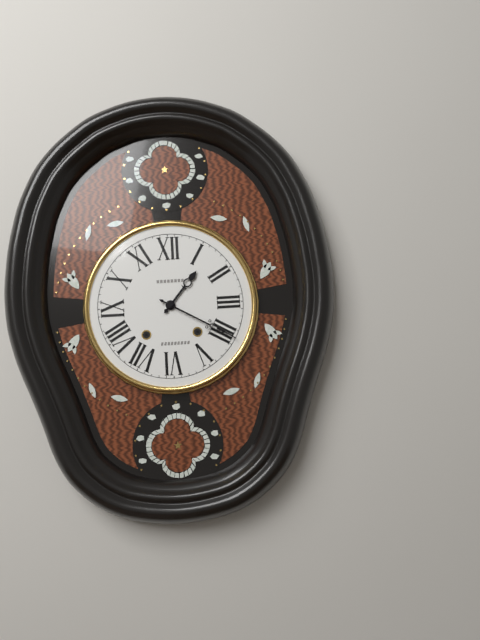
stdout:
1h20
